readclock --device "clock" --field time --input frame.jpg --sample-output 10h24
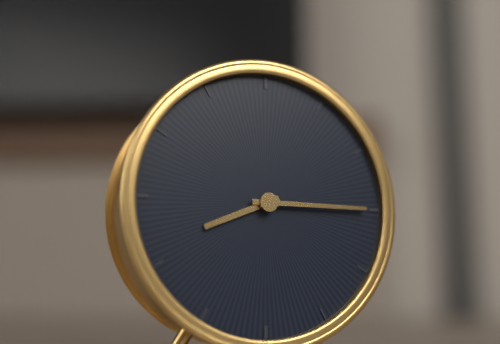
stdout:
8h15
